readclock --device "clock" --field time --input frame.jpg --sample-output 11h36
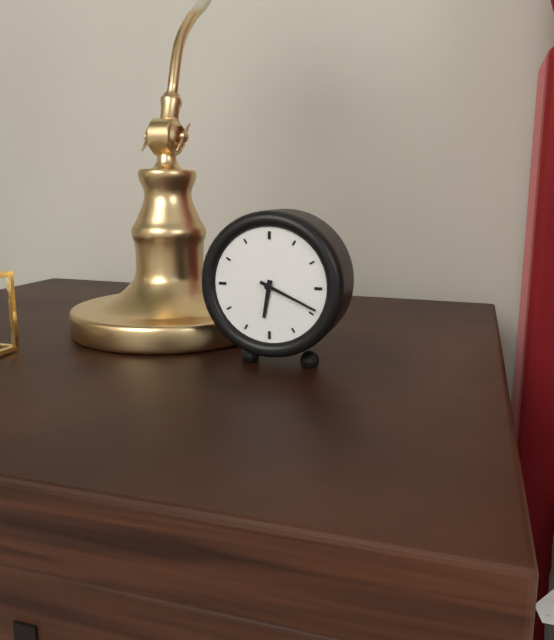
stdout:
6h19
